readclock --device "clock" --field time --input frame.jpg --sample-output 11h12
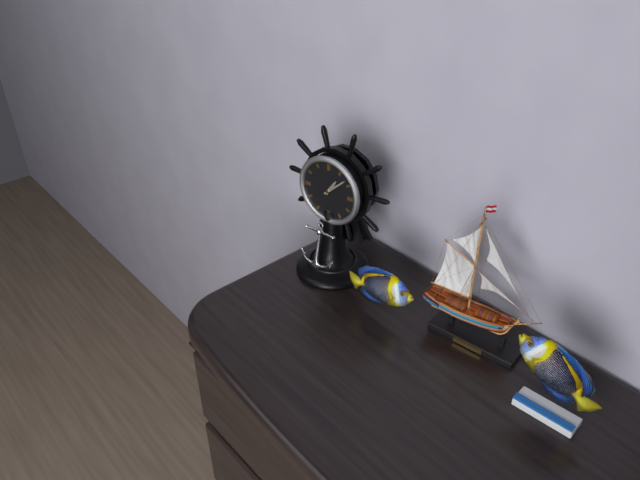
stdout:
1h08
